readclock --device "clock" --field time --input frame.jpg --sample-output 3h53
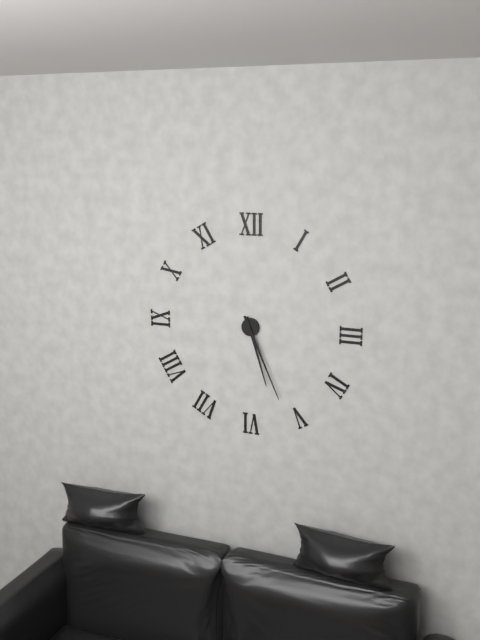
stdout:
5h26
